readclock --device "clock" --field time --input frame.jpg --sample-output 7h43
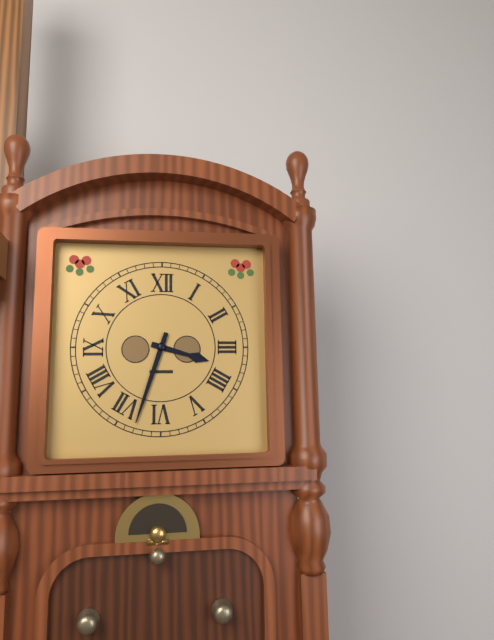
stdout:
3h33
